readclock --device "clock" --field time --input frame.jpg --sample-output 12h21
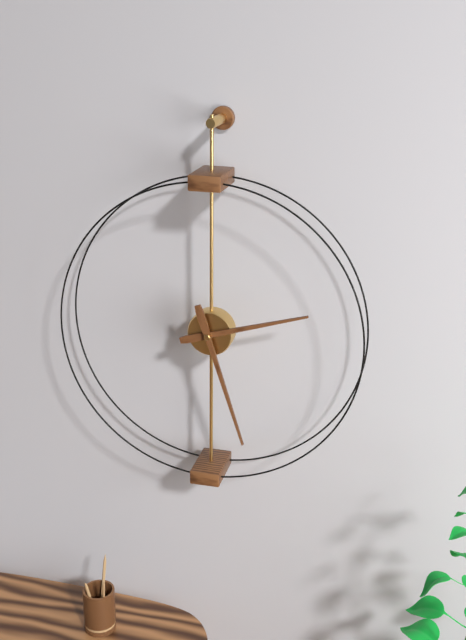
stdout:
2h27
